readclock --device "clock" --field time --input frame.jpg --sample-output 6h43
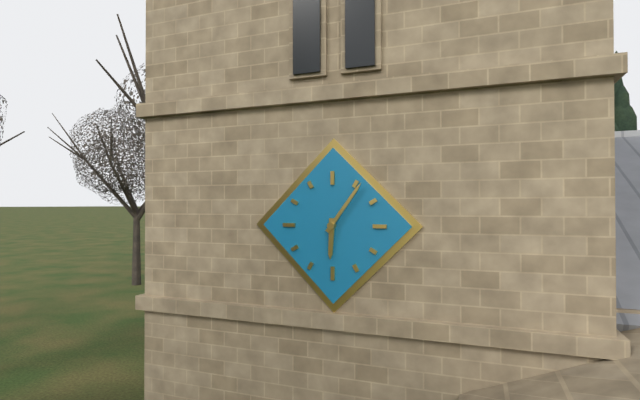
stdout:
6h06
